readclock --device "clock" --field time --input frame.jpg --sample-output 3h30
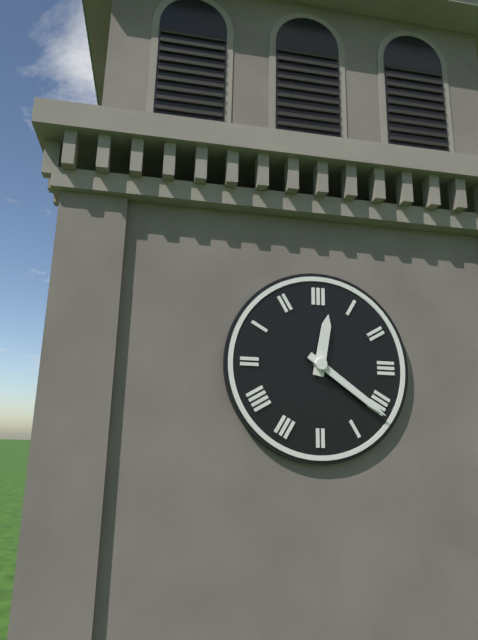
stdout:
12h21
